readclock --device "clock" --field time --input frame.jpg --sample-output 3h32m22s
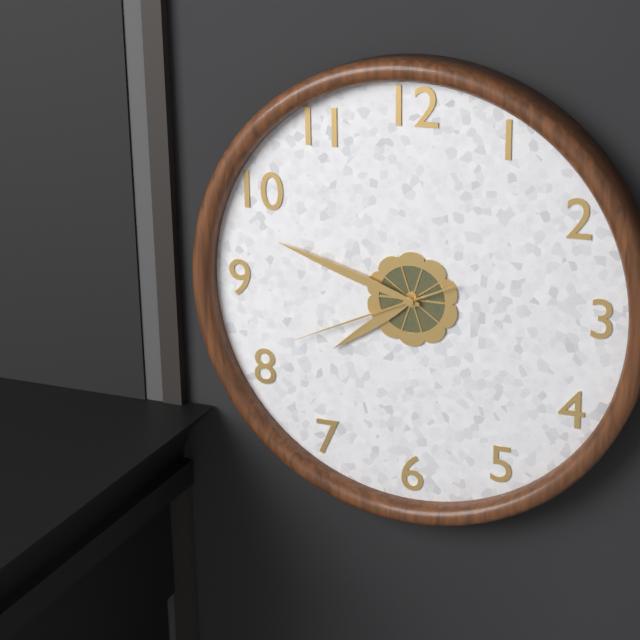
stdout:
7h48m41s
